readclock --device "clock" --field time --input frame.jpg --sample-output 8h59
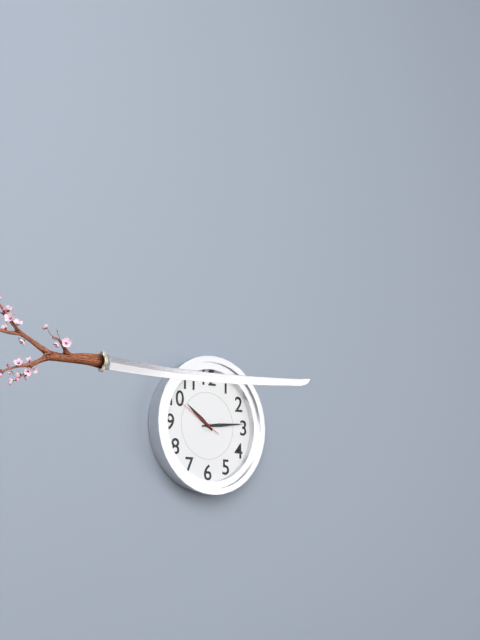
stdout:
10h14
